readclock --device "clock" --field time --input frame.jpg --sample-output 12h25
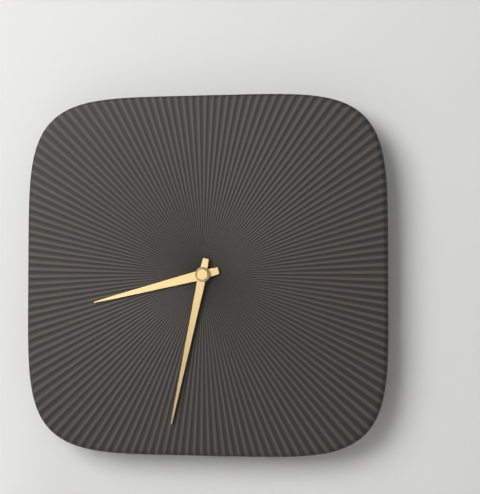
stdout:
8h32
